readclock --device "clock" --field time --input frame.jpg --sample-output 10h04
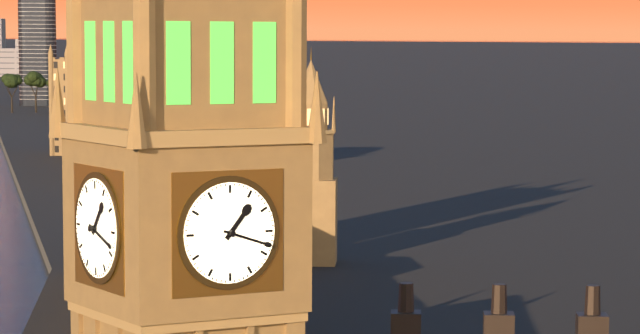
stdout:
1h18
